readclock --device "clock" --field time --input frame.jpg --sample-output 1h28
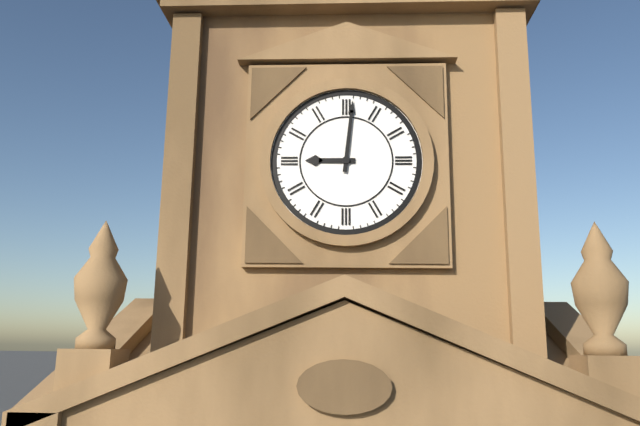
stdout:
9h01
